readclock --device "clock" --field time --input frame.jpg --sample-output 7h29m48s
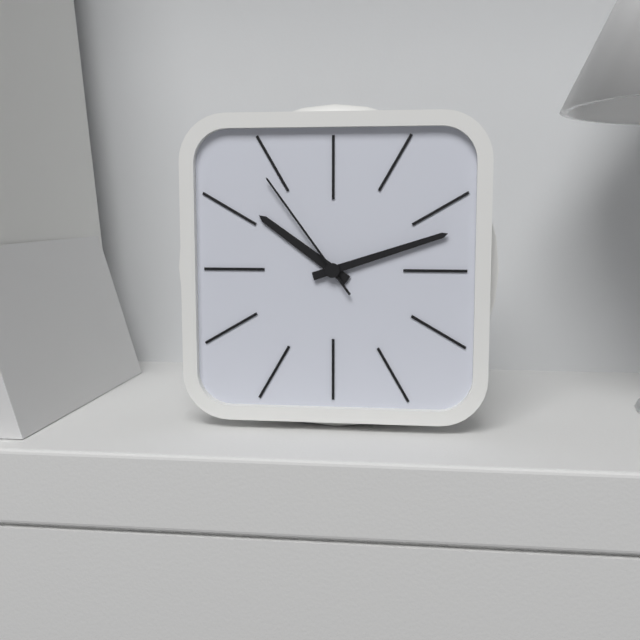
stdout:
10h12m54s
